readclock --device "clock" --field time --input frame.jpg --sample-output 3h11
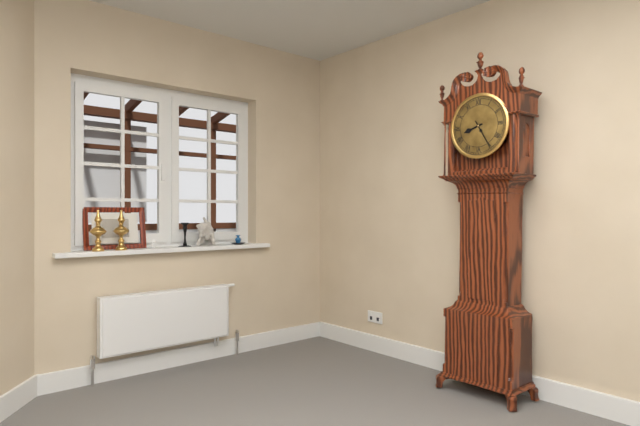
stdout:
8h25
